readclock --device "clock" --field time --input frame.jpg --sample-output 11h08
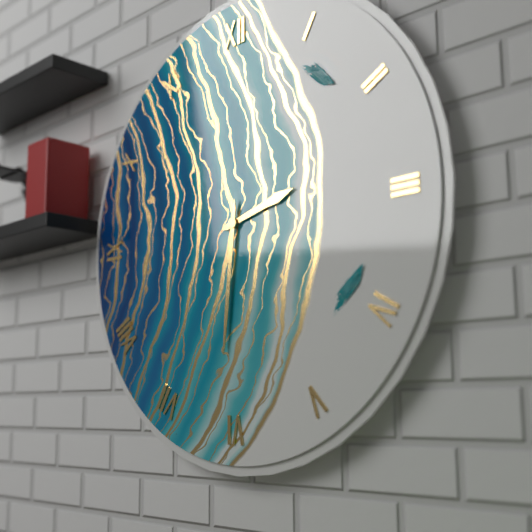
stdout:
2h31
